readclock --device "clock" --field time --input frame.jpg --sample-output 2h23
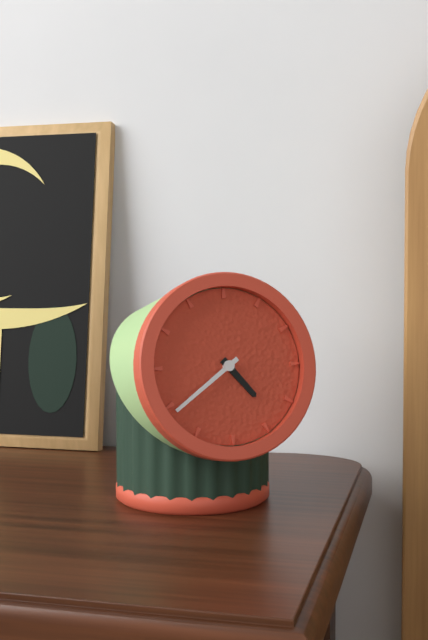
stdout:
4h39
